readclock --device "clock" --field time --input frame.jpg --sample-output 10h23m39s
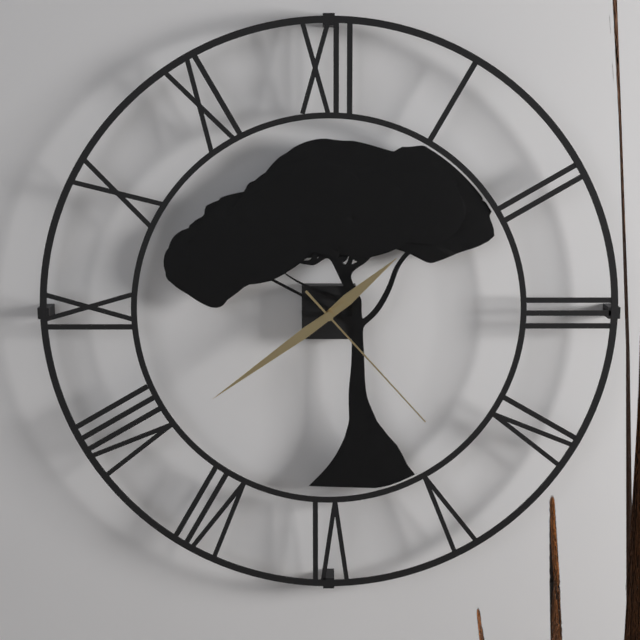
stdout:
1h39m23s
